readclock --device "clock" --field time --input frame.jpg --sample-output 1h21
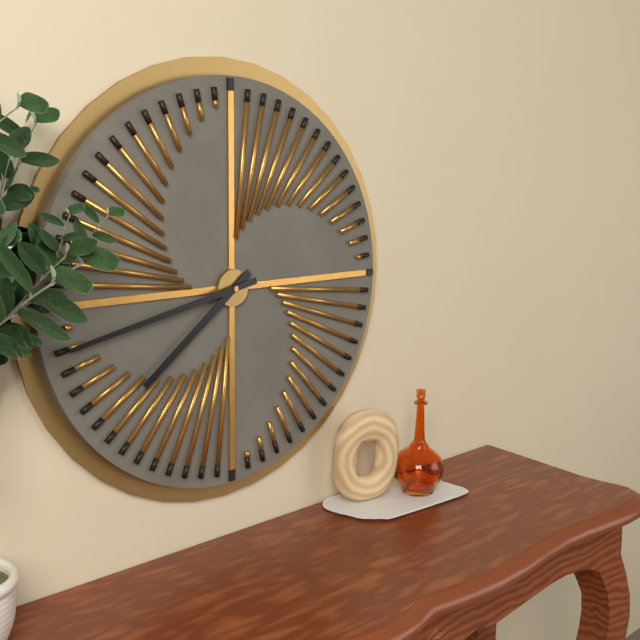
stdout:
7h43
